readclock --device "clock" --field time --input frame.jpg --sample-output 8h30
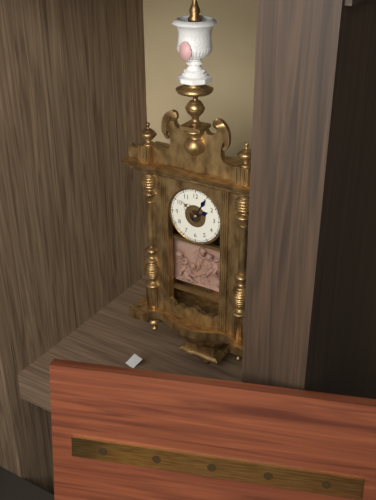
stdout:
2h05
